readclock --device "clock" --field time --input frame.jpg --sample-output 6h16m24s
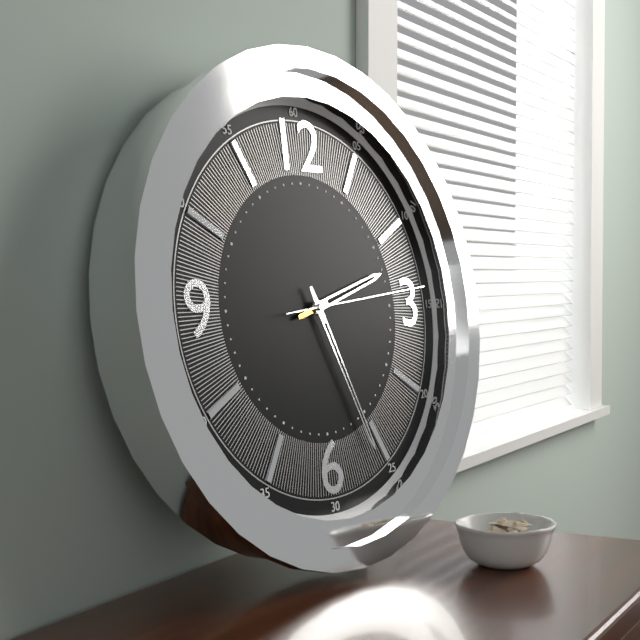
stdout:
2h26m14s
